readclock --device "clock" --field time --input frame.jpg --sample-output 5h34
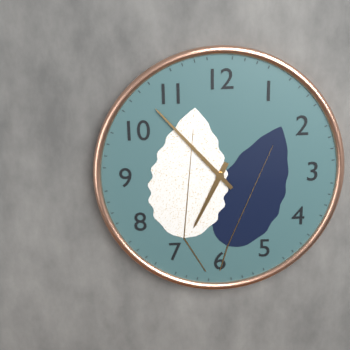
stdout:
6h53
